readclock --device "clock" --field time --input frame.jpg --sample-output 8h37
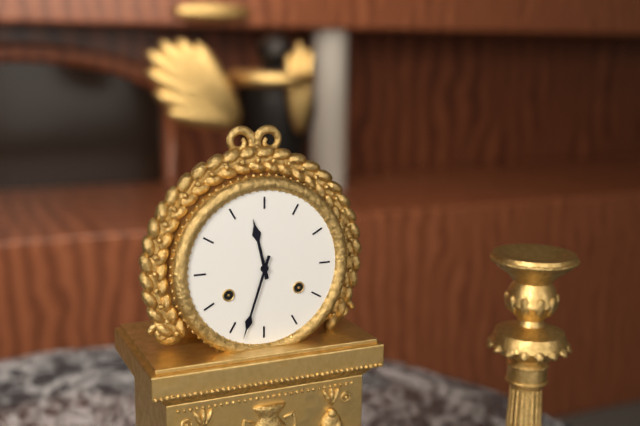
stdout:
11h33
